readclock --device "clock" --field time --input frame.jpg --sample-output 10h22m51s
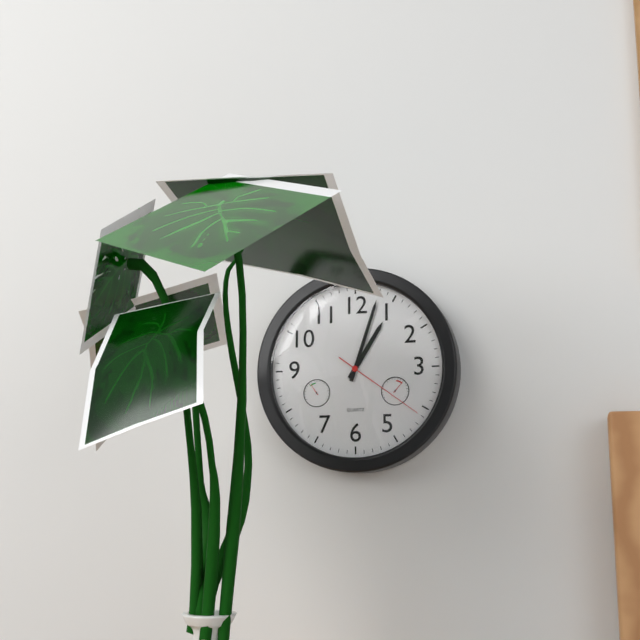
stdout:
1h03m21s
